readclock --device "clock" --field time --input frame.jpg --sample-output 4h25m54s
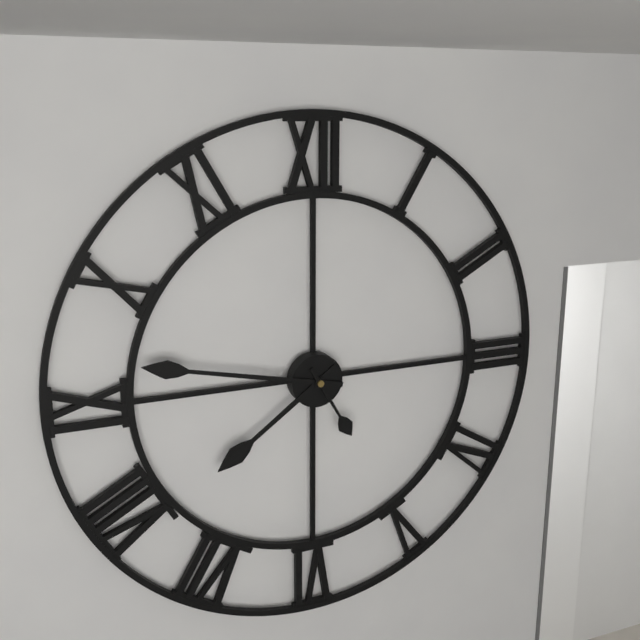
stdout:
7h47m25s
